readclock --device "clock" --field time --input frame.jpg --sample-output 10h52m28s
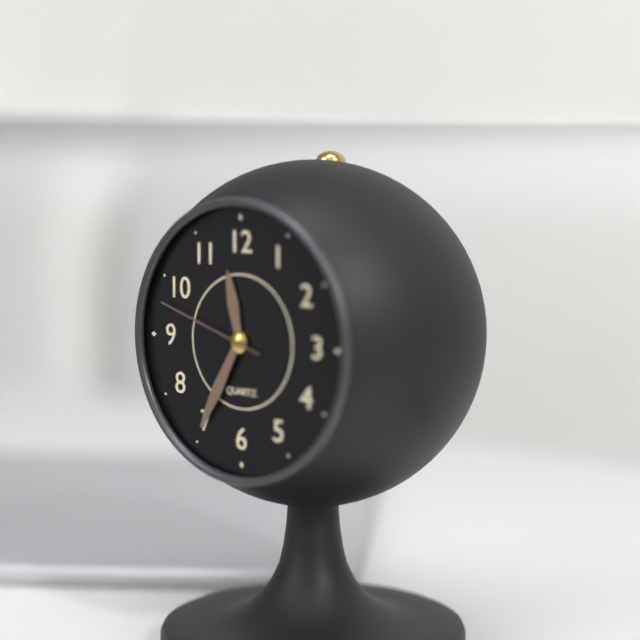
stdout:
11h35m48s
